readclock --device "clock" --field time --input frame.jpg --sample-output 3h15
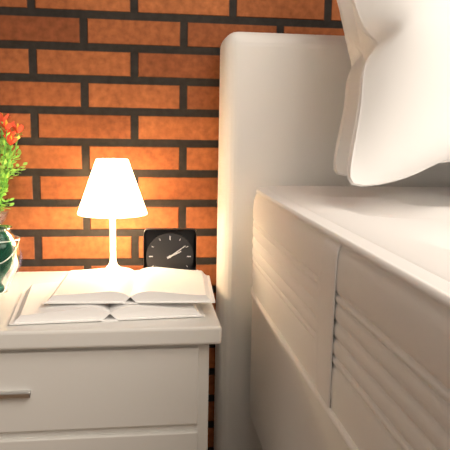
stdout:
2h09
